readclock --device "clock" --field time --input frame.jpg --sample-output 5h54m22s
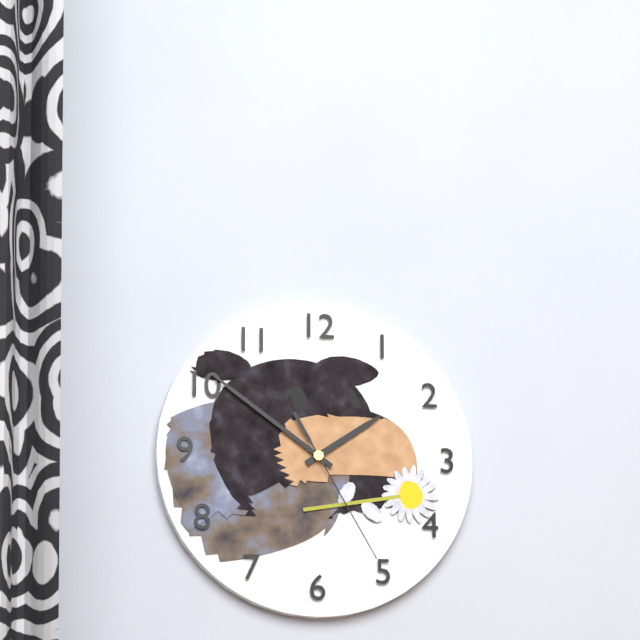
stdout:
1h51m25s
